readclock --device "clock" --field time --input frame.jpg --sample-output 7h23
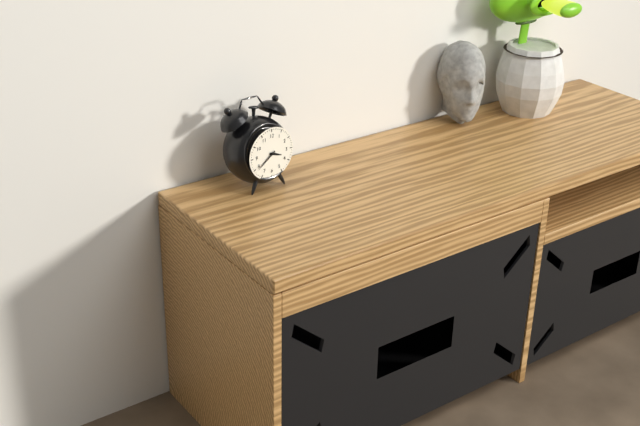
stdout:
3h39
